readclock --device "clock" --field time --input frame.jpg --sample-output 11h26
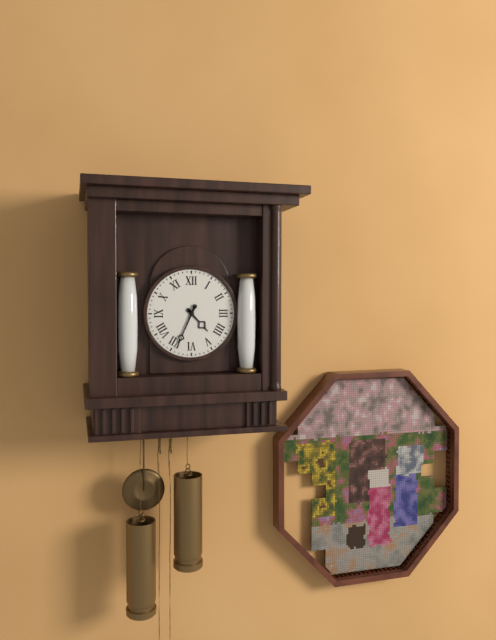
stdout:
4h34
